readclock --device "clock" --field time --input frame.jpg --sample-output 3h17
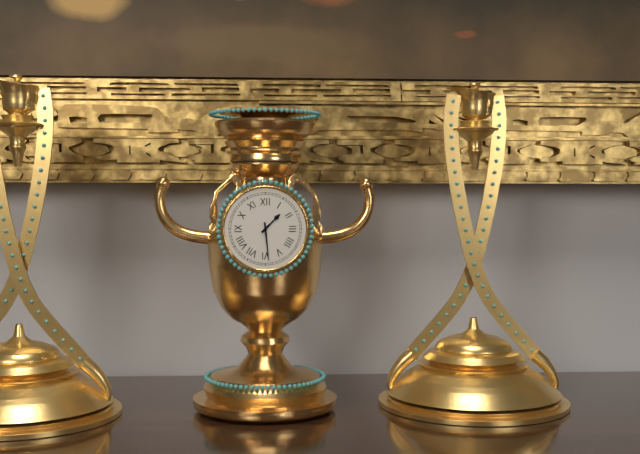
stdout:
1h29
